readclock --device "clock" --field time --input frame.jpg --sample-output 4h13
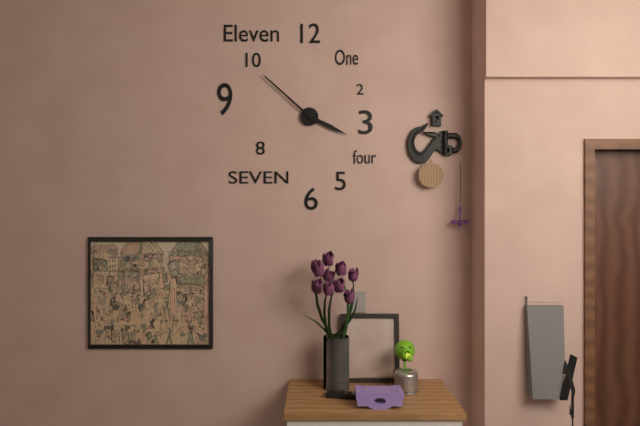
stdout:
3h52
